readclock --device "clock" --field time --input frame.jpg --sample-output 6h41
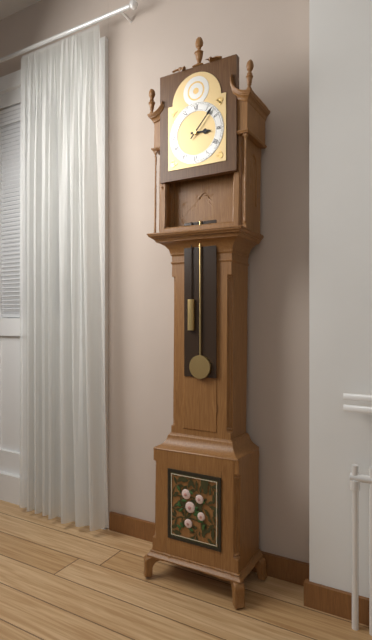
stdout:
3h07
